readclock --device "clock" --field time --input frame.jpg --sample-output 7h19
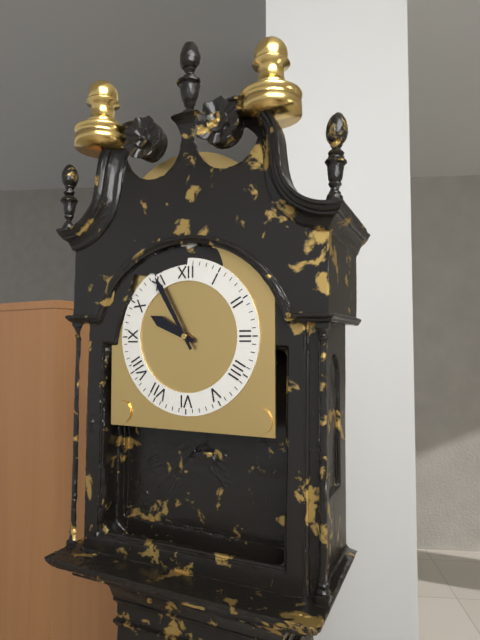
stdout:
9h55
